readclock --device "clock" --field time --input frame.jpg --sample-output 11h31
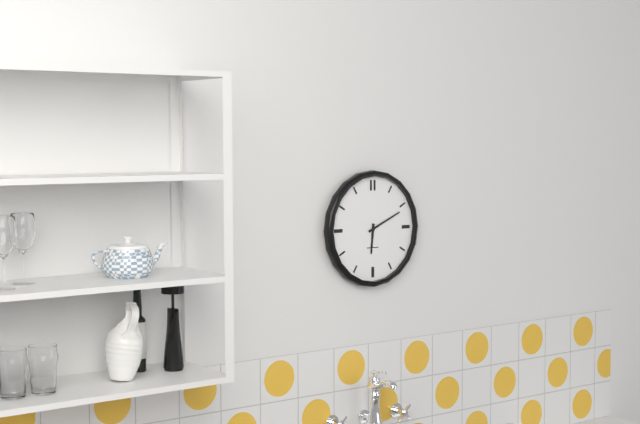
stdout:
6h11
